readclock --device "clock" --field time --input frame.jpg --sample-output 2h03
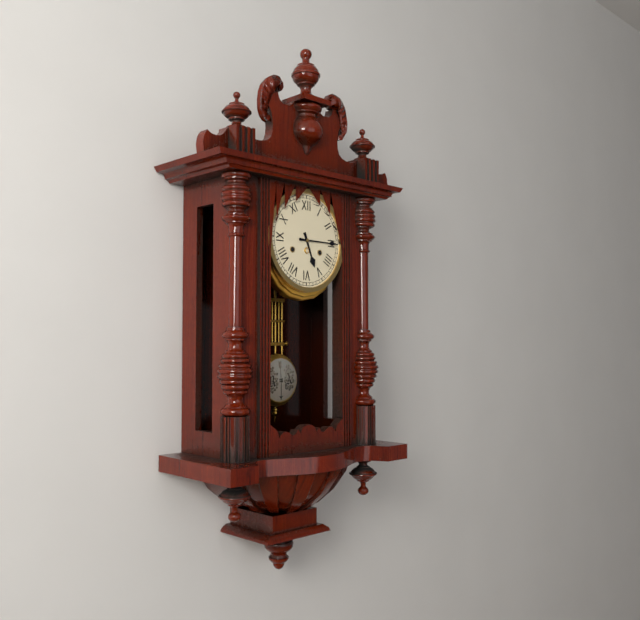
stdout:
5h15
